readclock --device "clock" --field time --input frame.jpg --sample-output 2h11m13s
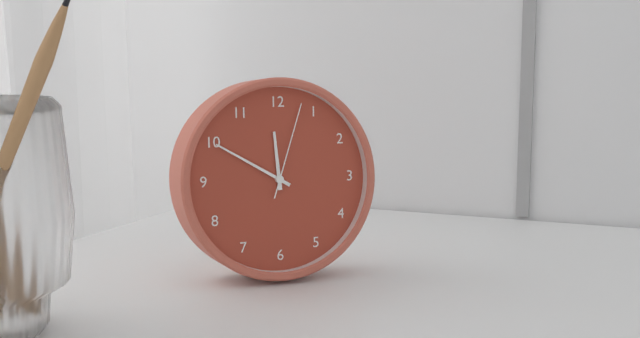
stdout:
11h50m03s
